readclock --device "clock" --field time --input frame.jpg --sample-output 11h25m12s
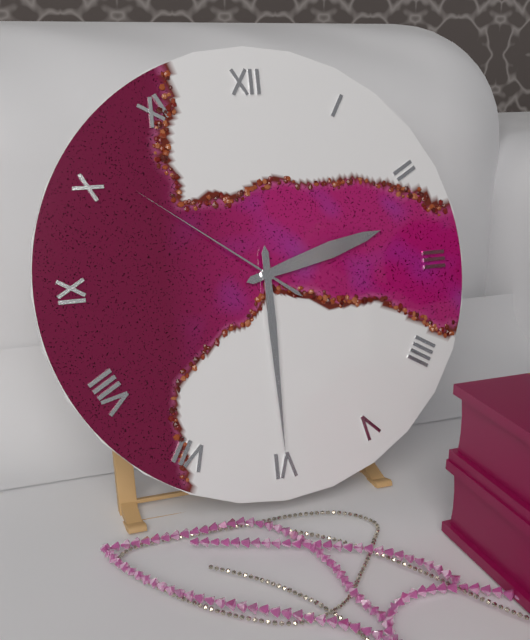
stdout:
2h30m51s
